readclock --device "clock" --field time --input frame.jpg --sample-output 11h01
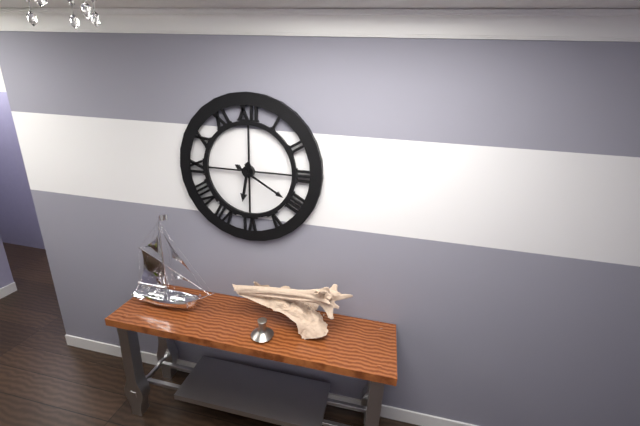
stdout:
6h20
